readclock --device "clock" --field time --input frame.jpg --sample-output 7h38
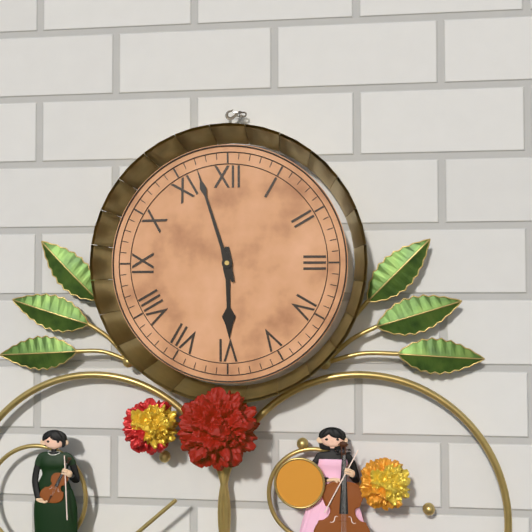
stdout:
5h57
